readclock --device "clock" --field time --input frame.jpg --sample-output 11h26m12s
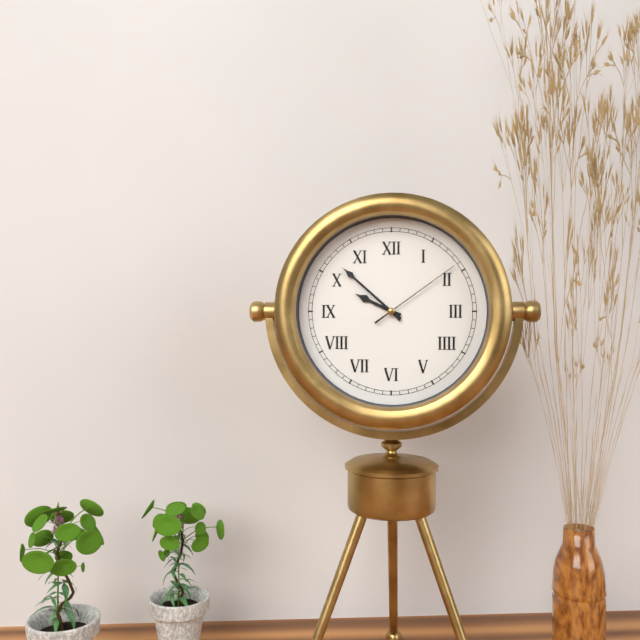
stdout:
9h52m09s
